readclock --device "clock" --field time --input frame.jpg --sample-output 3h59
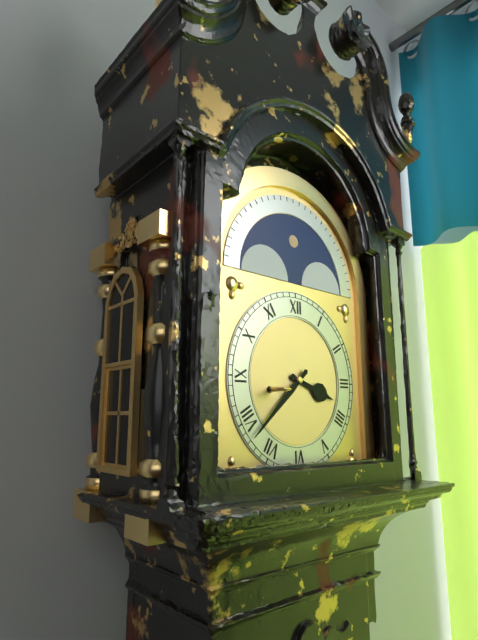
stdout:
3h38
